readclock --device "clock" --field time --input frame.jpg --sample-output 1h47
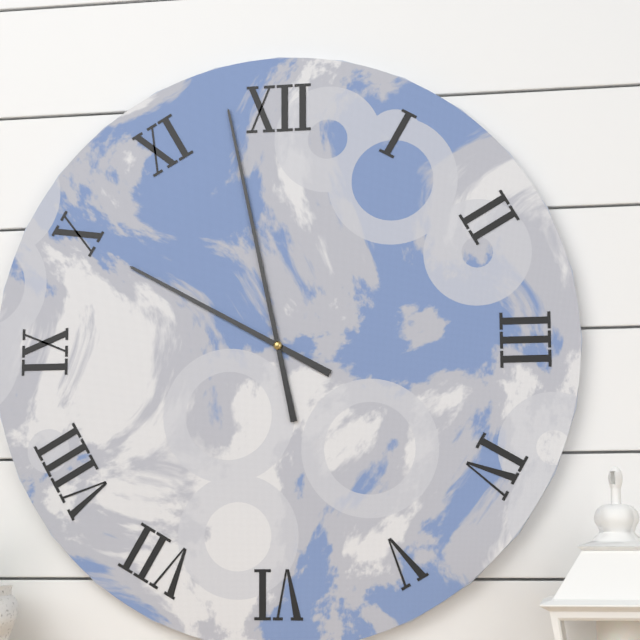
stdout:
9h58
